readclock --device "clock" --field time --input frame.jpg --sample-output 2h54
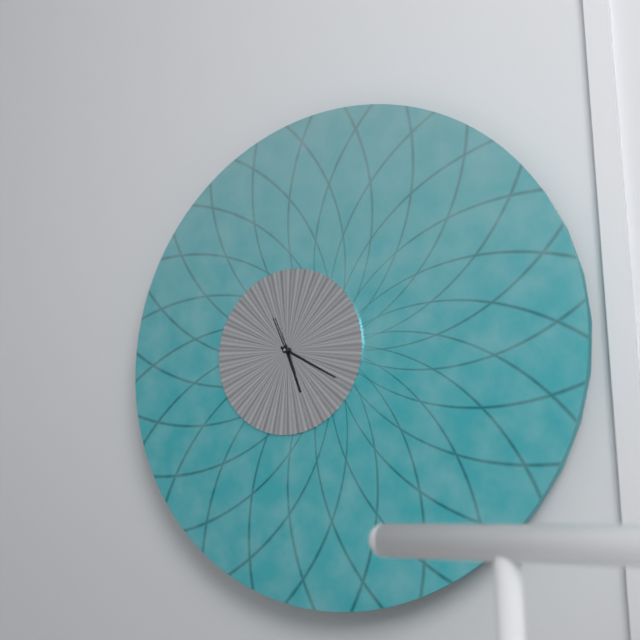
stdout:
5h20
